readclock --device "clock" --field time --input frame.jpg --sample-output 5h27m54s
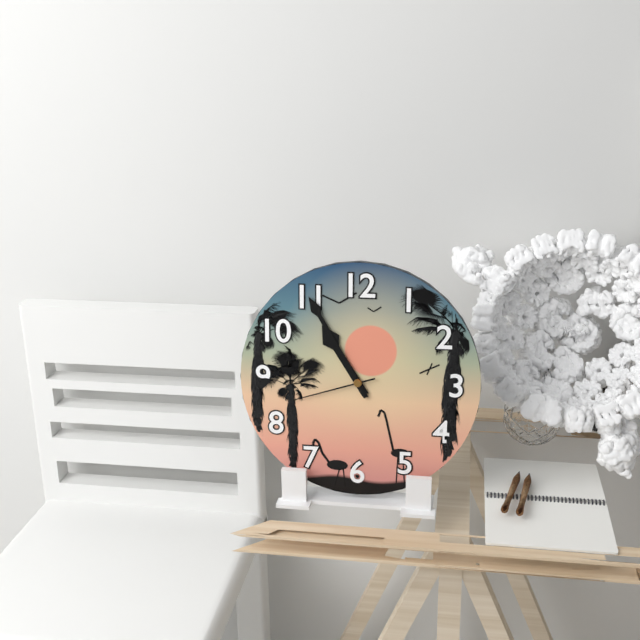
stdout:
10h55m42s
